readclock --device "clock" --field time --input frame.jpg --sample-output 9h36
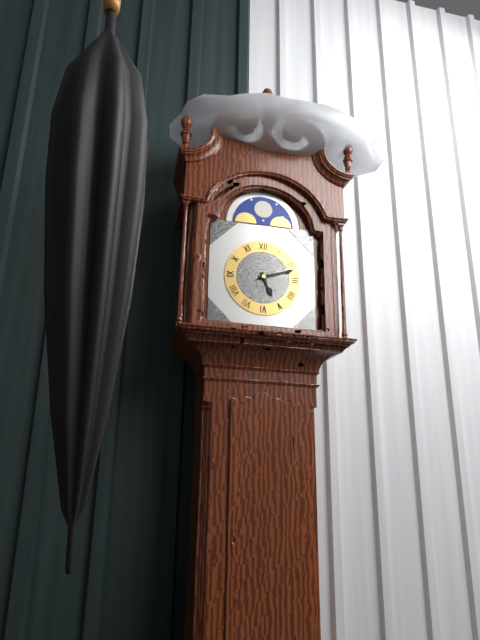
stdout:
5h12
